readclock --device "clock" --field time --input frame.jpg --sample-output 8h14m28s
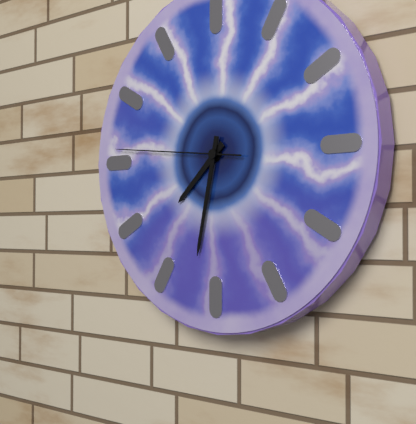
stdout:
7h32m46s
